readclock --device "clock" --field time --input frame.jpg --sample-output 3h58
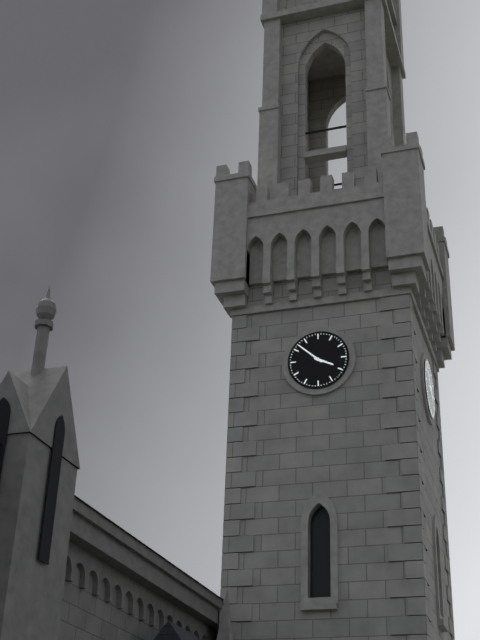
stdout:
3h52
